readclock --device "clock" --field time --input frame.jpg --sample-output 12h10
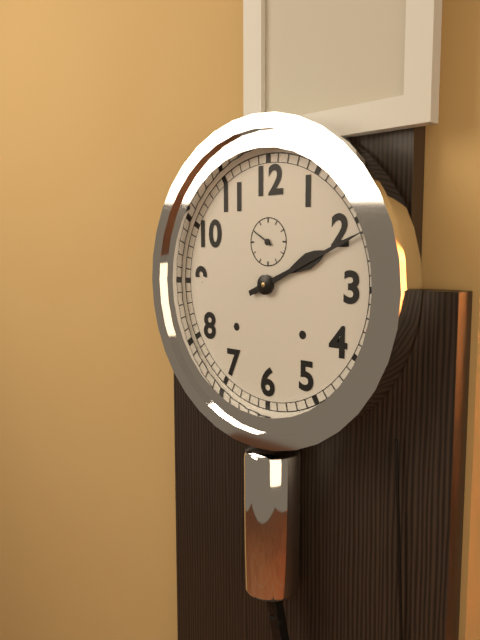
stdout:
2h11
